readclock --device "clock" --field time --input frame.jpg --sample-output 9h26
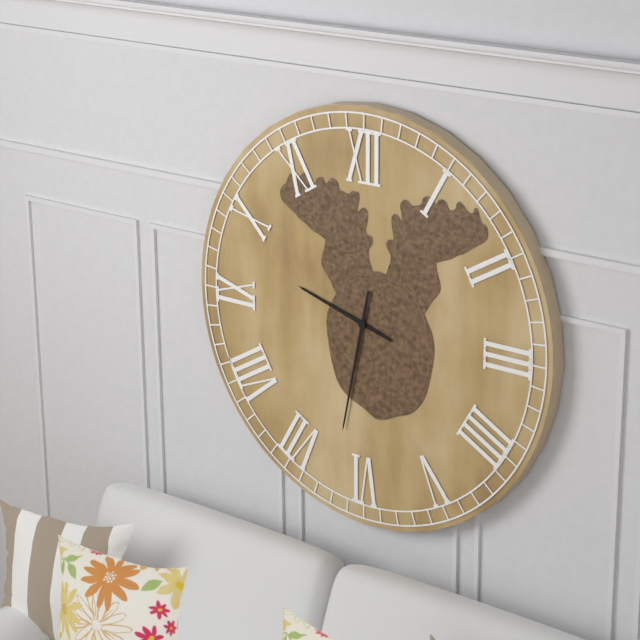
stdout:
9h32
